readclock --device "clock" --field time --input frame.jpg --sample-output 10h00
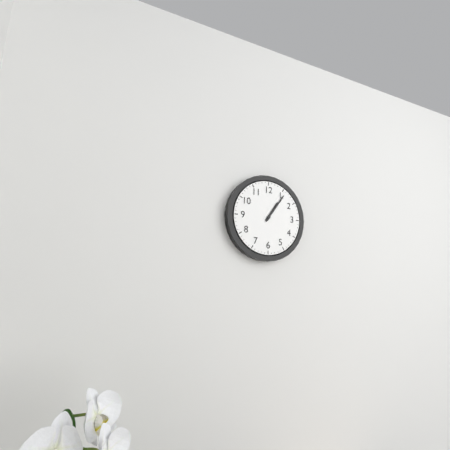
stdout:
1h06
